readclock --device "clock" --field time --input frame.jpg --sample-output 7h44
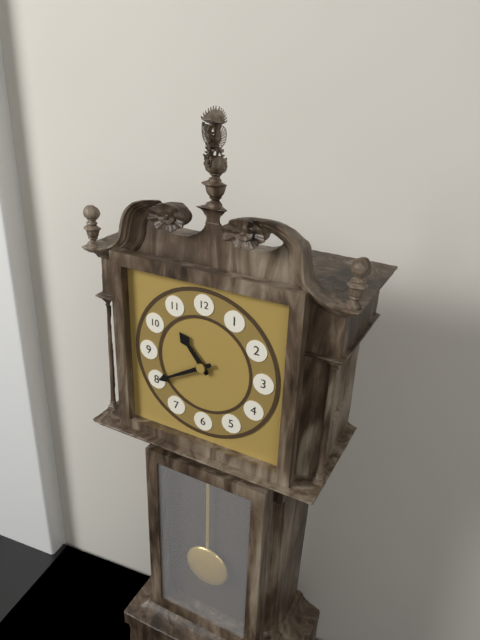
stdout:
10h40
